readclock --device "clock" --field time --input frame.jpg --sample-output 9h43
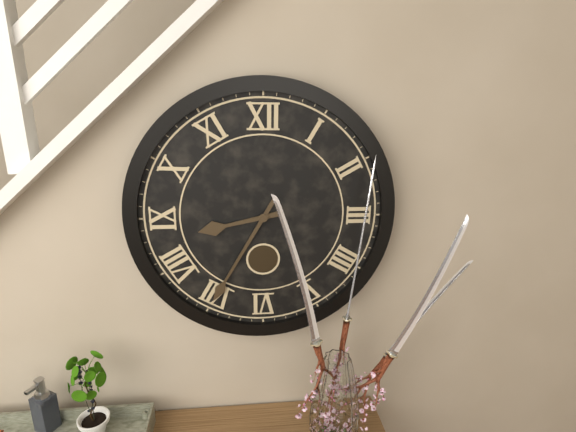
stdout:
8h35
